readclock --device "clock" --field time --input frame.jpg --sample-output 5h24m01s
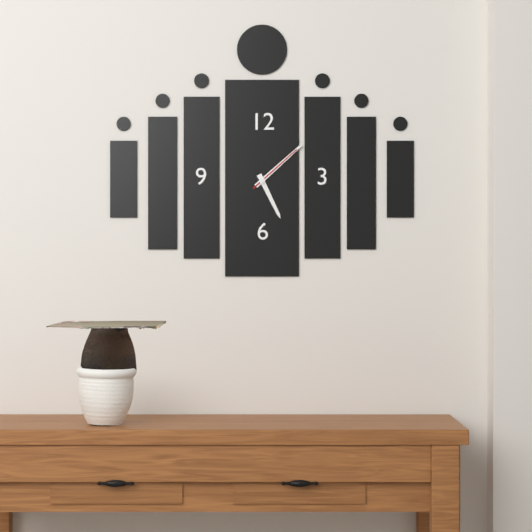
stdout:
5h08m08s
